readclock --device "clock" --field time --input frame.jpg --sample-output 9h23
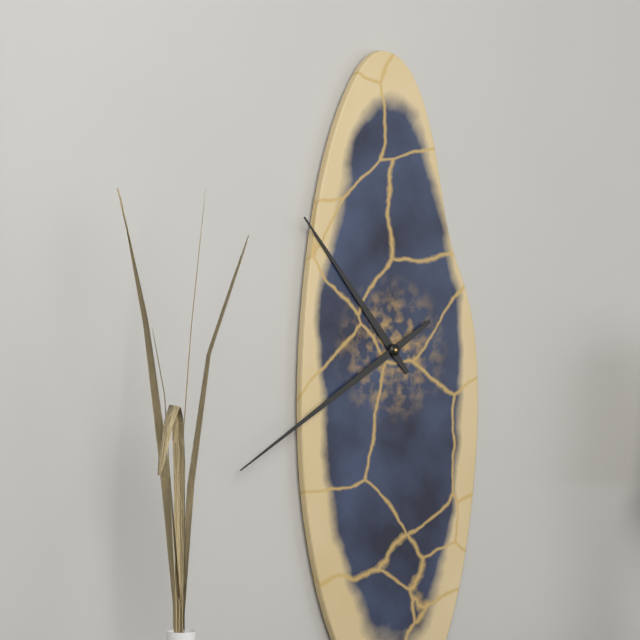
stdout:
10h40
